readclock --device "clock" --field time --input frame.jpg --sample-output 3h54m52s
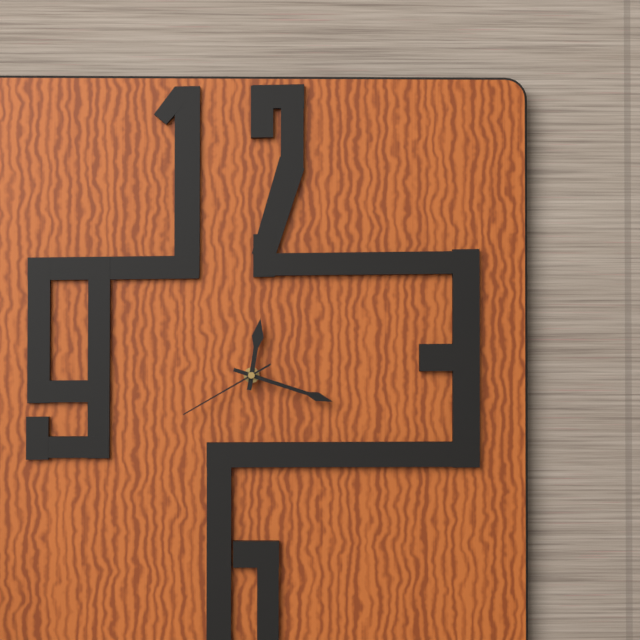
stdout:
12h18m40s
